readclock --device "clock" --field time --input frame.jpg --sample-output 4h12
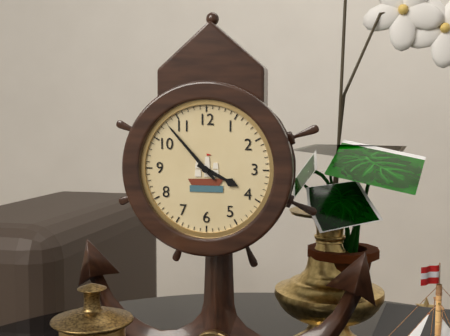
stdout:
3h53
